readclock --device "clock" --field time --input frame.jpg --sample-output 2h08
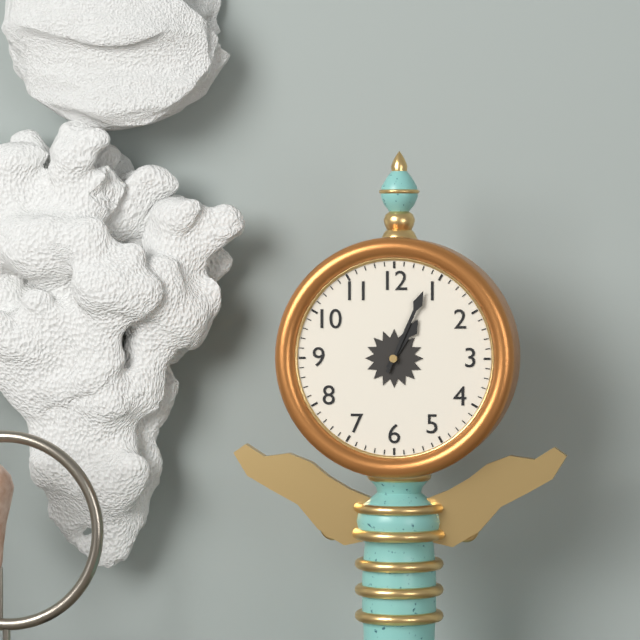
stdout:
1h04
